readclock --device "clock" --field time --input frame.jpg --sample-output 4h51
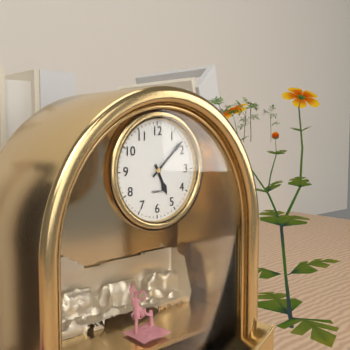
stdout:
5h08
